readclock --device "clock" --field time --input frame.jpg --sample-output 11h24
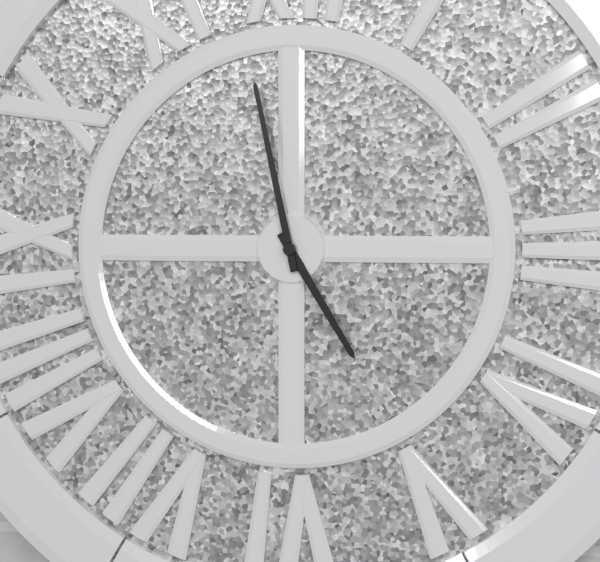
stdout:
4h58
